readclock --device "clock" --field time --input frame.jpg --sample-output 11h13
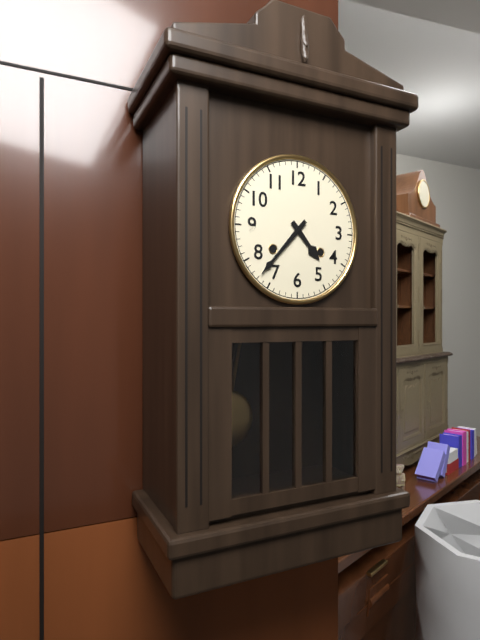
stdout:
4h37
